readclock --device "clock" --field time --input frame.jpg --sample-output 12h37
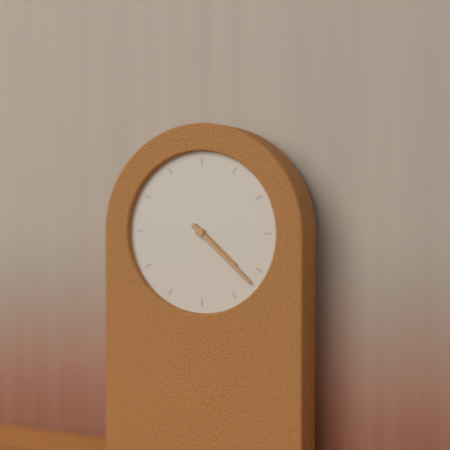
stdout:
4h22
